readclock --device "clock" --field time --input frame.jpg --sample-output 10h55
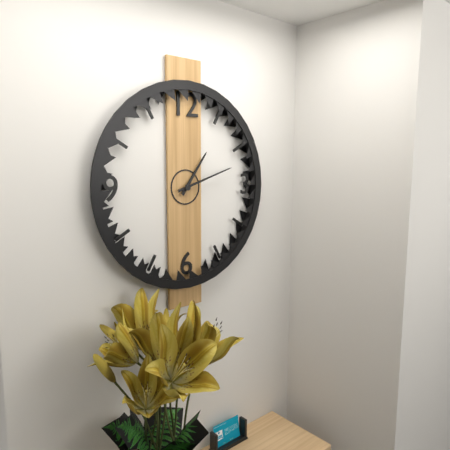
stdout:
1h12
